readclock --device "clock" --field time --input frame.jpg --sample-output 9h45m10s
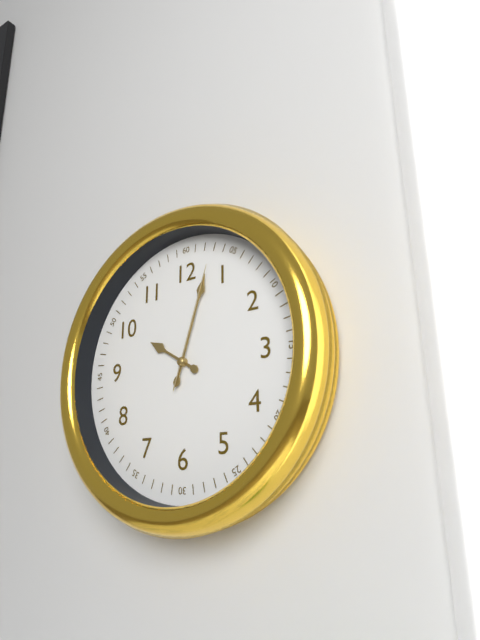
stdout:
10h03m03s
